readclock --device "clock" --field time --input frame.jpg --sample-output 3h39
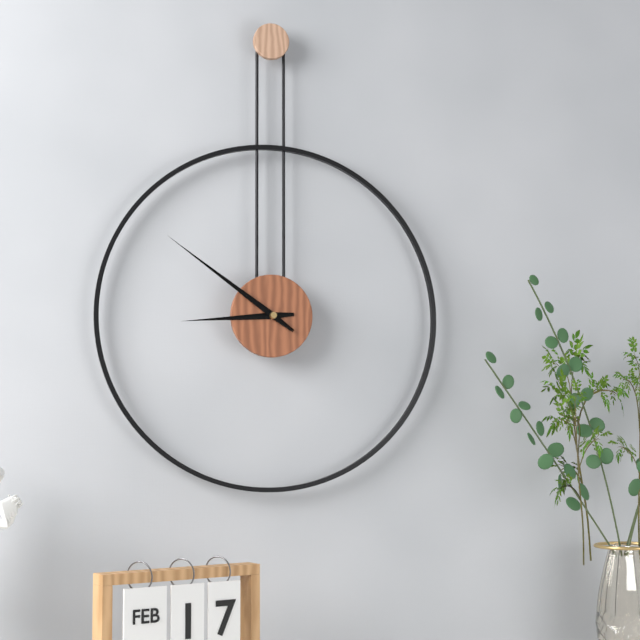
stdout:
8h51
